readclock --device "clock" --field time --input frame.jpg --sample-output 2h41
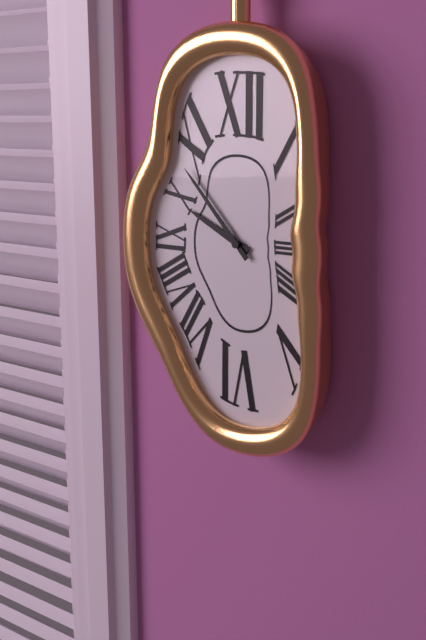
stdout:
9h53
